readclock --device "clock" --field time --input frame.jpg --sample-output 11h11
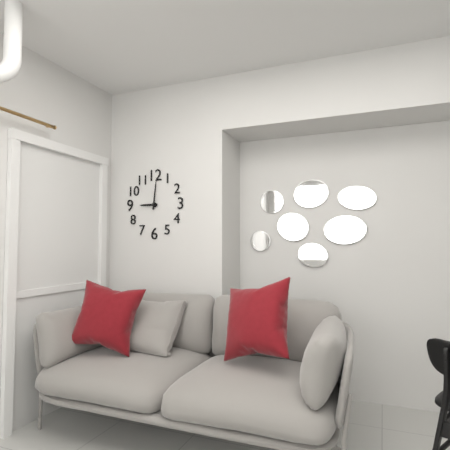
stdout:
9h01
